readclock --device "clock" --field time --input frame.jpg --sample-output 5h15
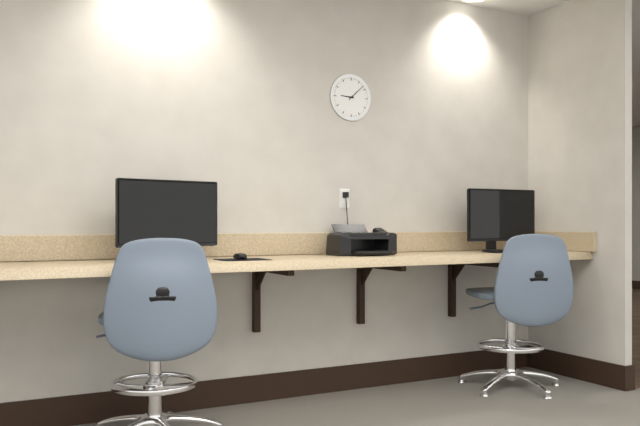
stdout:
9h08
